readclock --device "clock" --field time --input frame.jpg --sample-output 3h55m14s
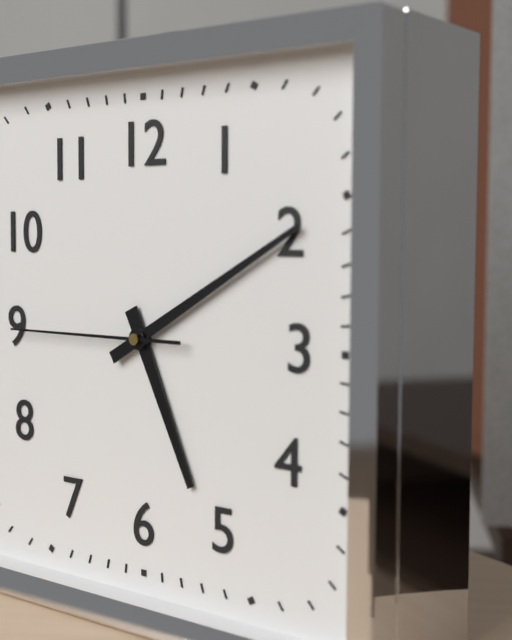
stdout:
5h10m45s
